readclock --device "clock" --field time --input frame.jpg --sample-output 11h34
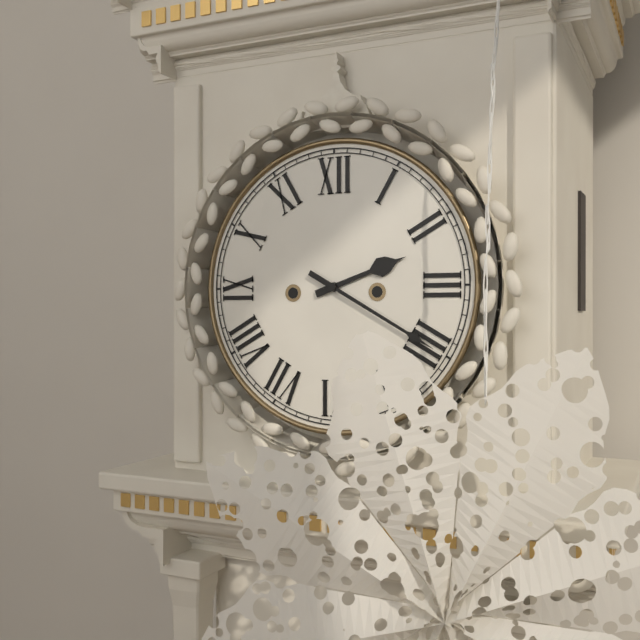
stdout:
2h20
